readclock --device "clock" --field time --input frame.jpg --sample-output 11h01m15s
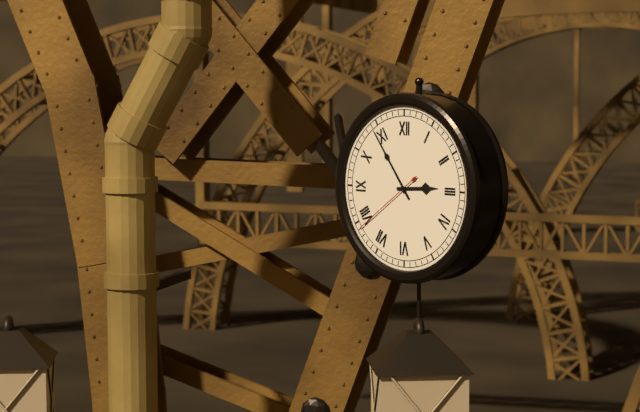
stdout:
2h54m39s
